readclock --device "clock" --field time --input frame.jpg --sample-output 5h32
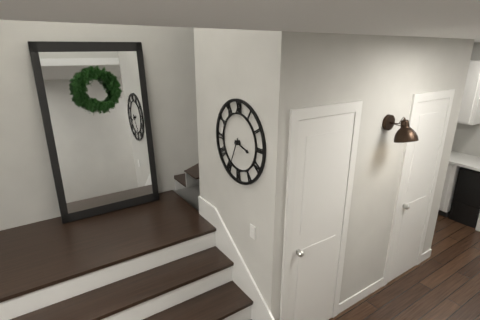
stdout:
3h34
